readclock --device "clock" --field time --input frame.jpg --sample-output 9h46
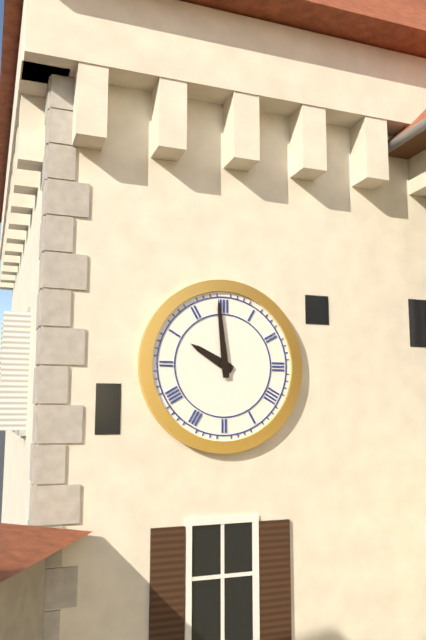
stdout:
9h59
